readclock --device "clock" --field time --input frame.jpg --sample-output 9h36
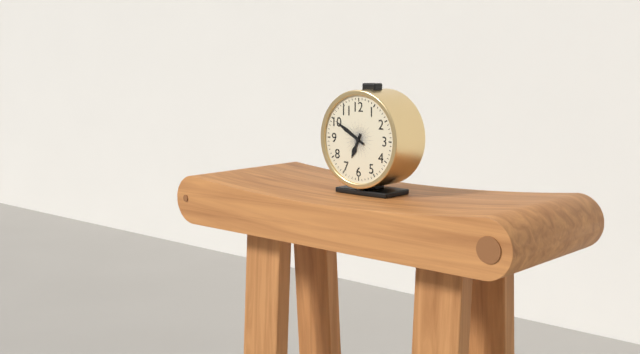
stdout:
6h50
